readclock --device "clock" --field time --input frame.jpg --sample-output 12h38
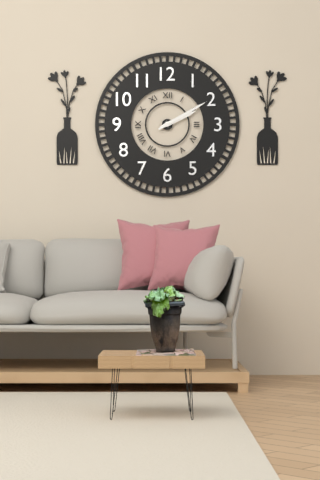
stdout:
2h10
